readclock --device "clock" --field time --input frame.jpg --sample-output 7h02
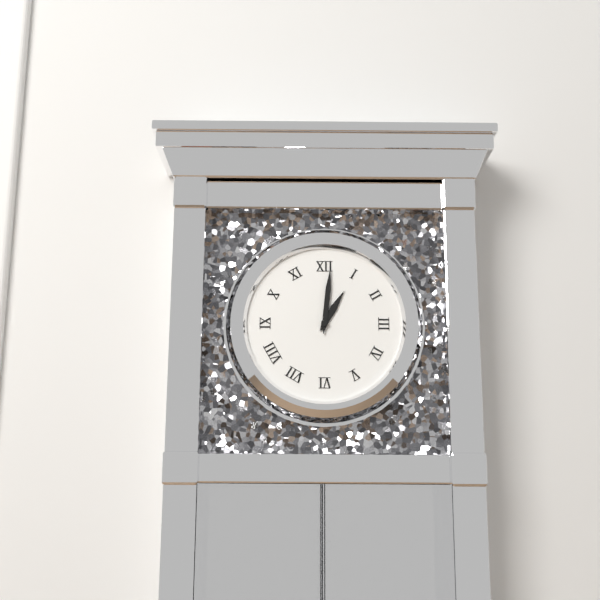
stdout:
1h01
